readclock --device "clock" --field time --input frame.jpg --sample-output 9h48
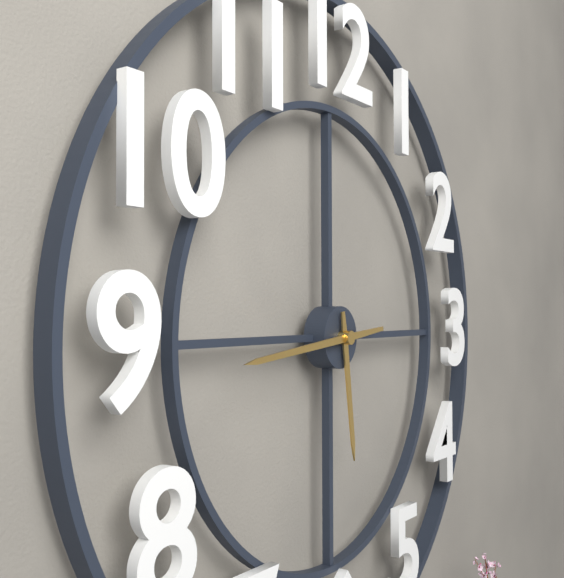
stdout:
5h44
